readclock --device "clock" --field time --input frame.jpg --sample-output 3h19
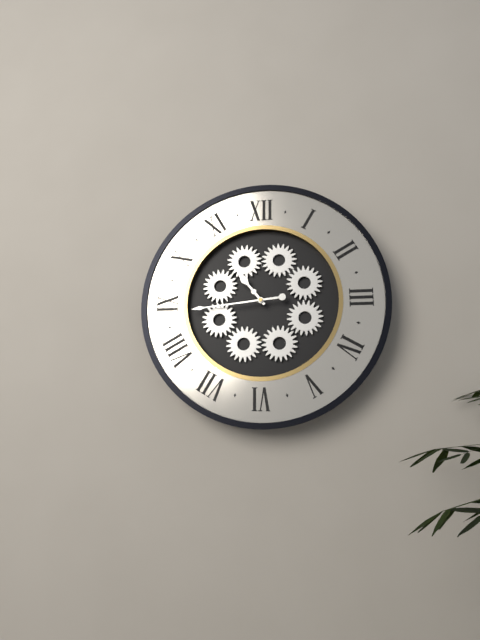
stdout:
10h44
